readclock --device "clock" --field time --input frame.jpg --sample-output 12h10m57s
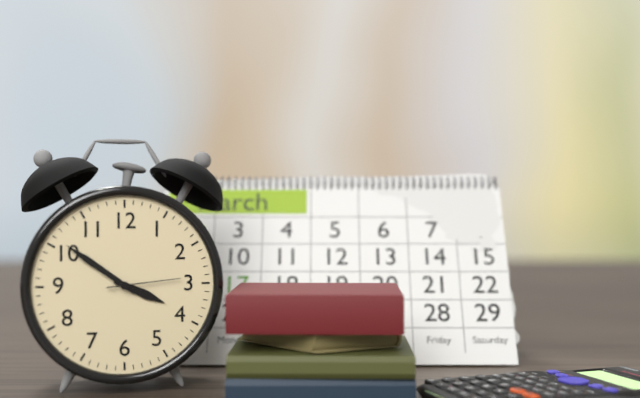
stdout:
3h51m14s
